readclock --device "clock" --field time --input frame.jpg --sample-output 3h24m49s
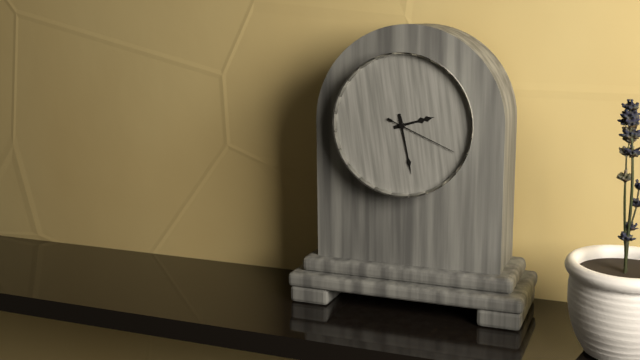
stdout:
2h28m19s
